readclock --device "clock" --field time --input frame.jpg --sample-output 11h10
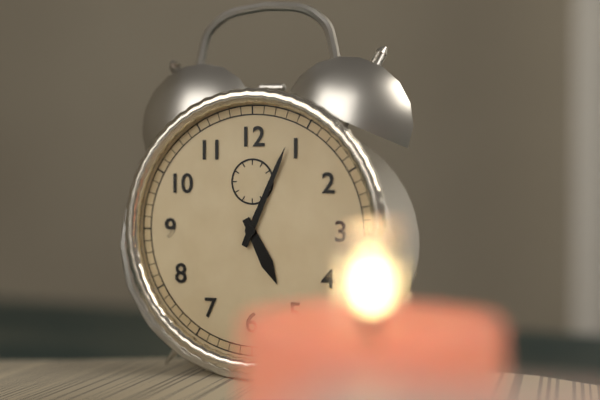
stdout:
5h04
